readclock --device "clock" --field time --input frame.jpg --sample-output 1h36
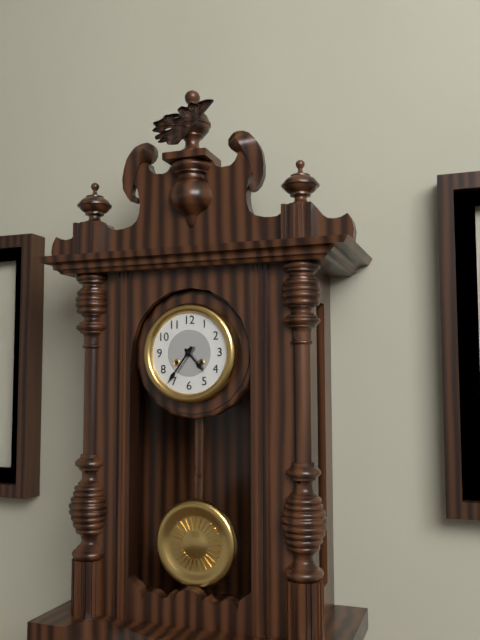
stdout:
4h36
